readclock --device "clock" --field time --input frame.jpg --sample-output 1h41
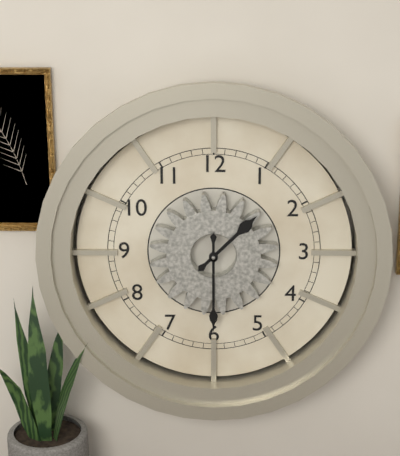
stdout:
1h30
